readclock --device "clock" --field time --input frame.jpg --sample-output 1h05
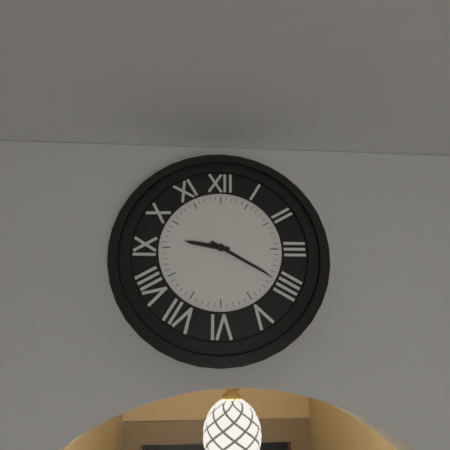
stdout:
9h20
